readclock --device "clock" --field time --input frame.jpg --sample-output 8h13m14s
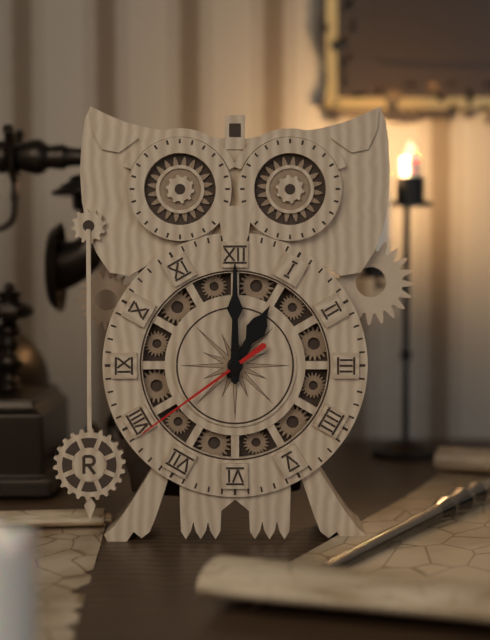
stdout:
1h00m39s
